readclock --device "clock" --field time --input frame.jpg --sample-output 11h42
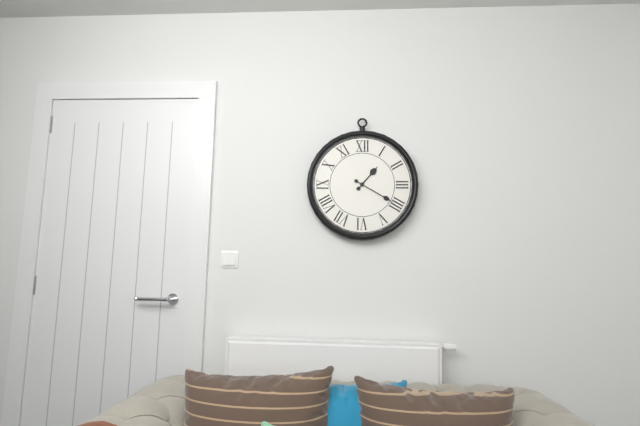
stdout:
1h20
